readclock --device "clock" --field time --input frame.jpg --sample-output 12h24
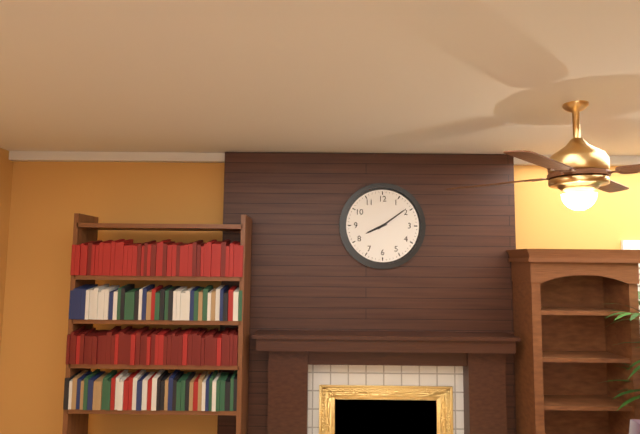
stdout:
8h09
